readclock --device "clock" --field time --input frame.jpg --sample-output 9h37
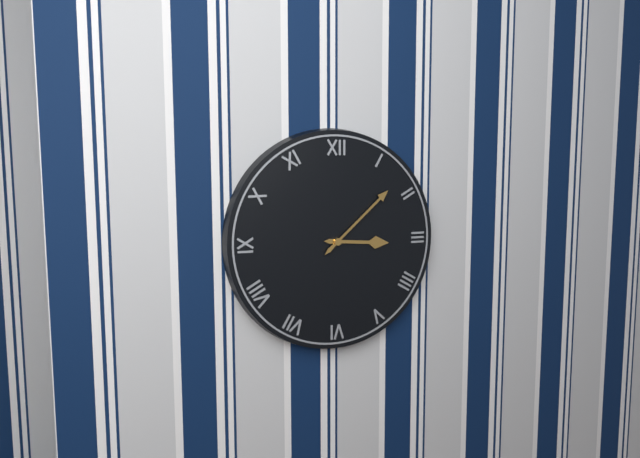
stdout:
3h08
